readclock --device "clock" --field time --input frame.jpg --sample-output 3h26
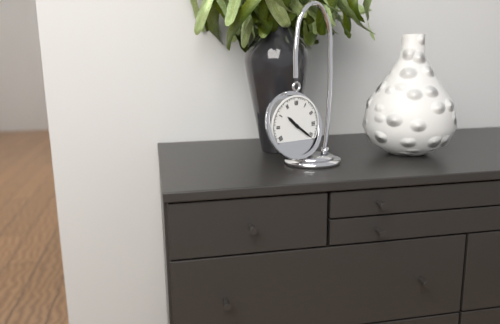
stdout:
10h21
